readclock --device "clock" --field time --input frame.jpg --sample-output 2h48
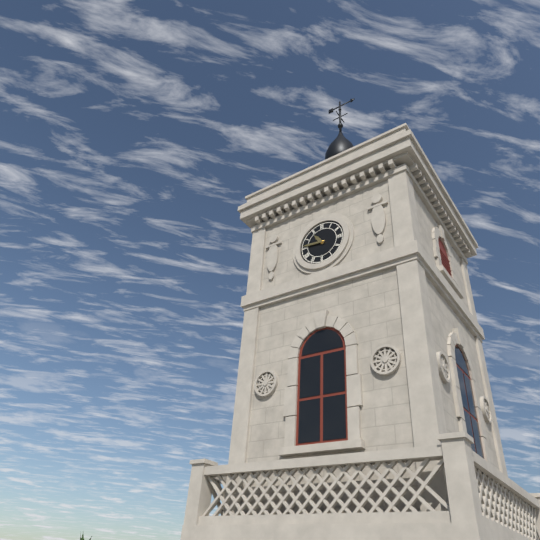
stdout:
10h46
